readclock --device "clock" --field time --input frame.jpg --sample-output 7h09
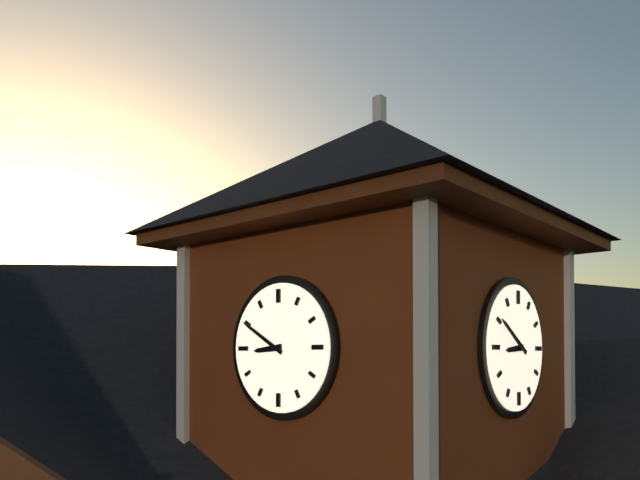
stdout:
8h50
